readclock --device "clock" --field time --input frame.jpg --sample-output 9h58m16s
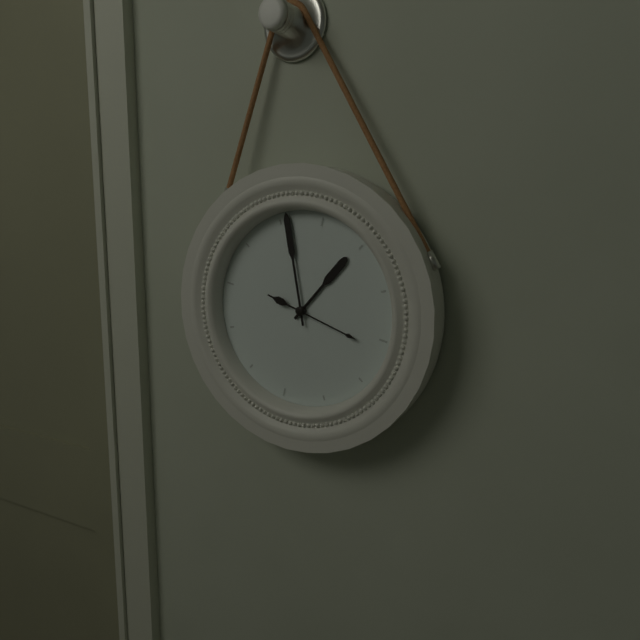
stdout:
12h56m16s
